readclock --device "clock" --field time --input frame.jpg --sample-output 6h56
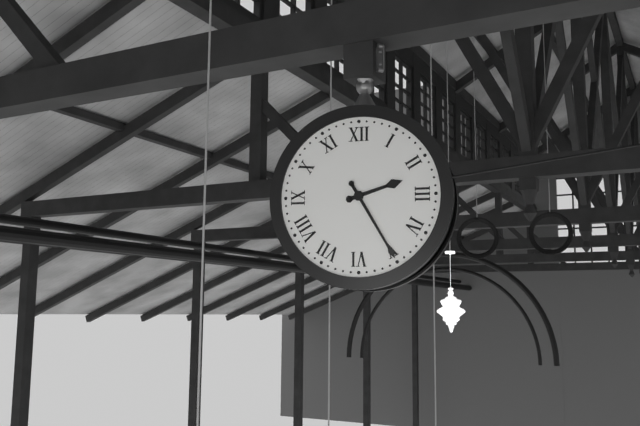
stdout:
2h25
